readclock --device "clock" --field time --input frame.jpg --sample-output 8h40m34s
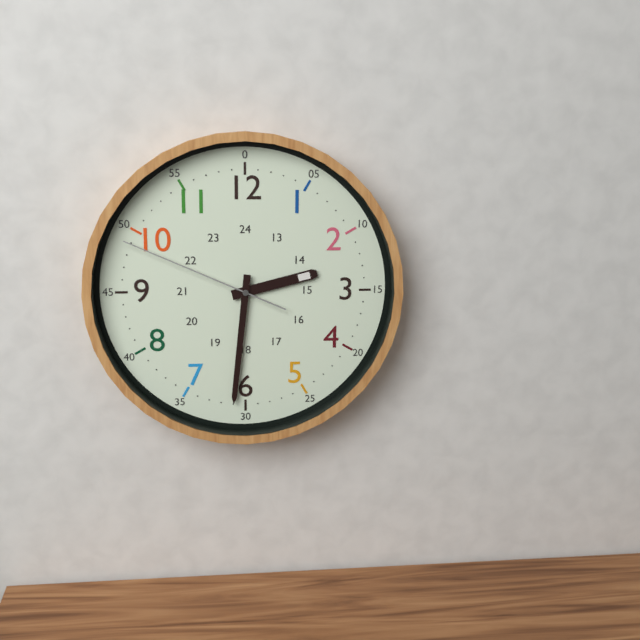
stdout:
2h31m49s
